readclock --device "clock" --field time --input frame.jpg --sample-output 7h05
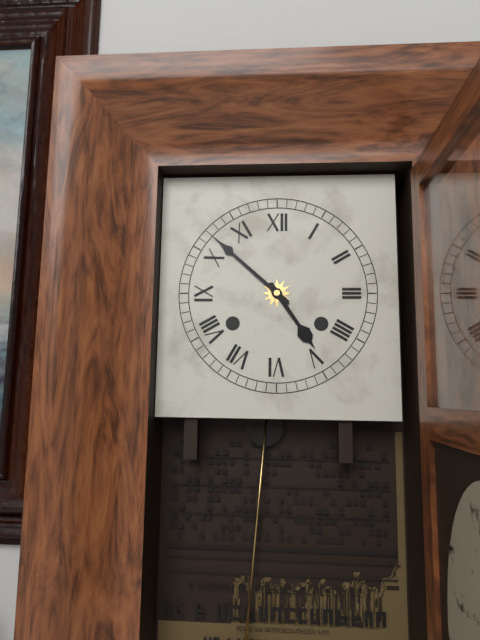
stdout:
4h52
